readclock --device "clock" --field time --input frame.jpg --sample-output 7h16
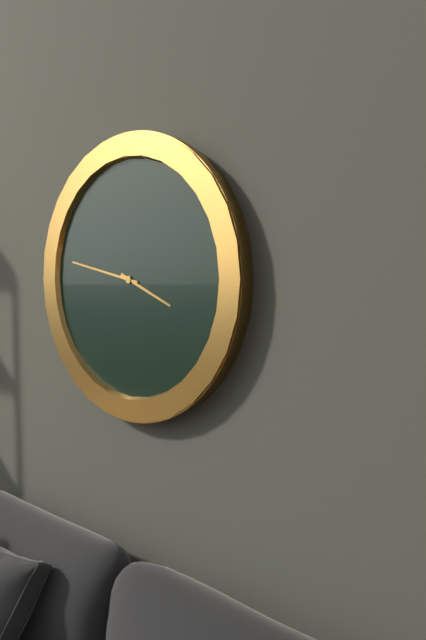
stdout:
3h47
